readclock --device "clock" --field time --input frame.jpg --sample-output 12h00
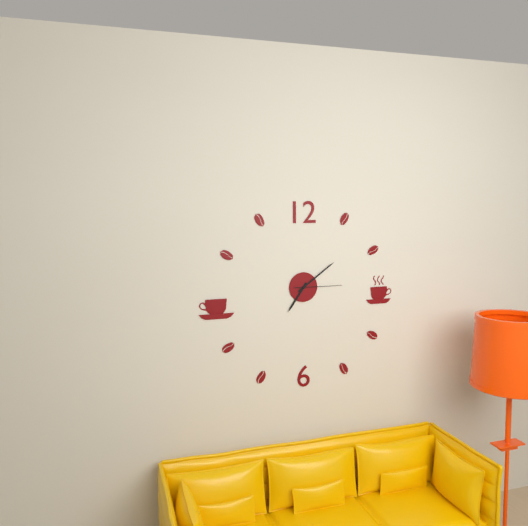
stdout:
7h09
